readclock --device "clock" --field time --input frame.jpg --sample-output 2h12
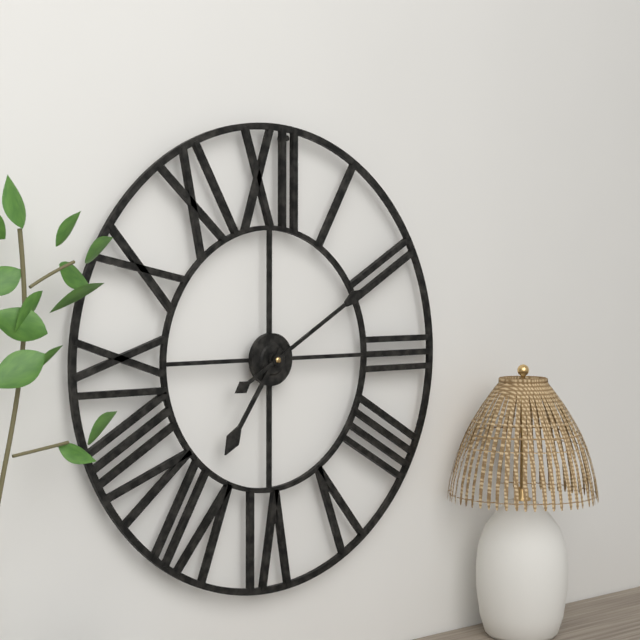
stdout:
7h10
